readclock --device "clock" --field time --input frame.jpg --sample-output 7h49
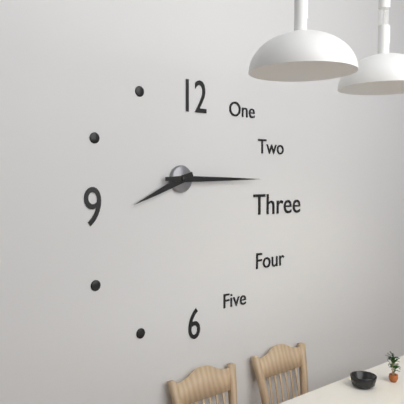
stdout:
8h15
